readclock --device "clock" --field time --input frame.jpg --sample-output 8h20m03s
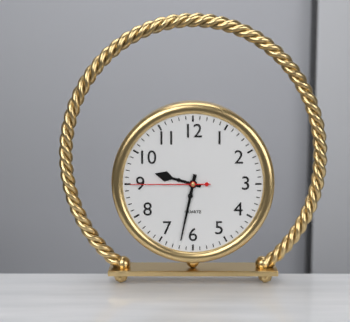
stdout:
9h32m45s
